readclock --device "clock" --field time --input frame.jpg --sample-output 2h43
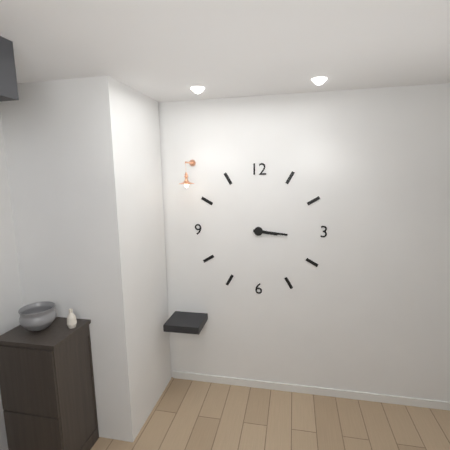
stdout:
3h16
